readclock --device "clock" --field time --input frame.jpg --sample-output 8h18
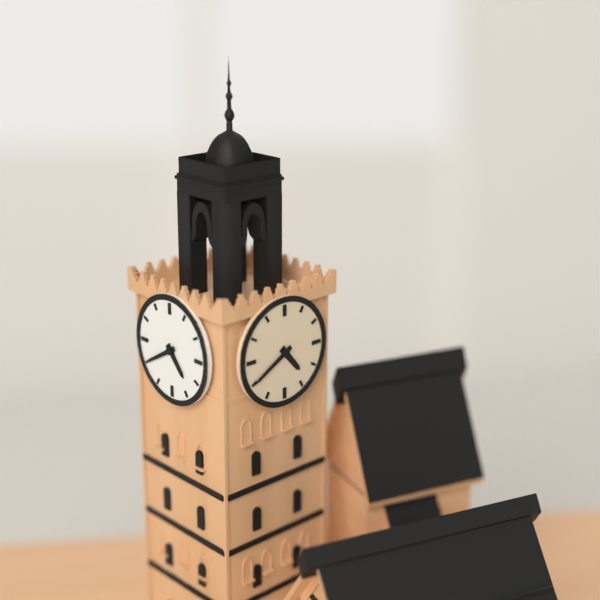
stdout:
4h40
